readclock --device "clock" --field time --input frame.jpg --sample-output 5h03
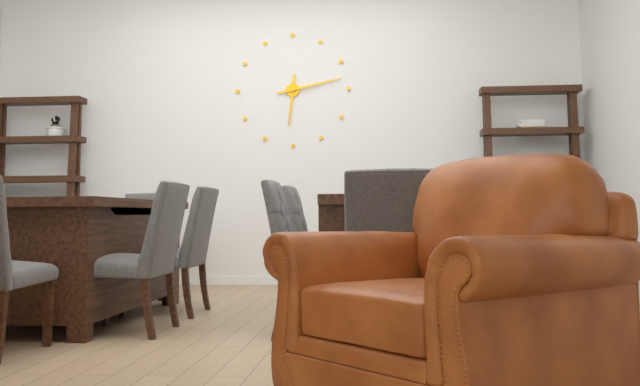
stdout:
6h13
